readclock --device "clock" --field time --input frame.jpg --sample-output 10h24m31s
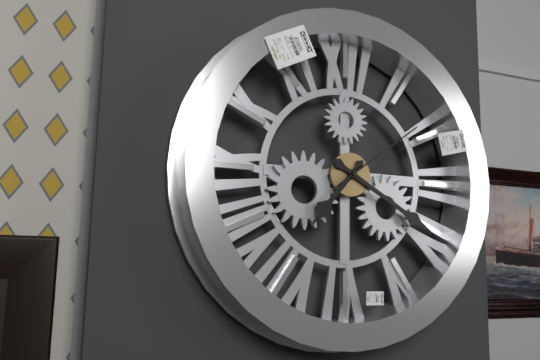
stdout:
7h20m09s
